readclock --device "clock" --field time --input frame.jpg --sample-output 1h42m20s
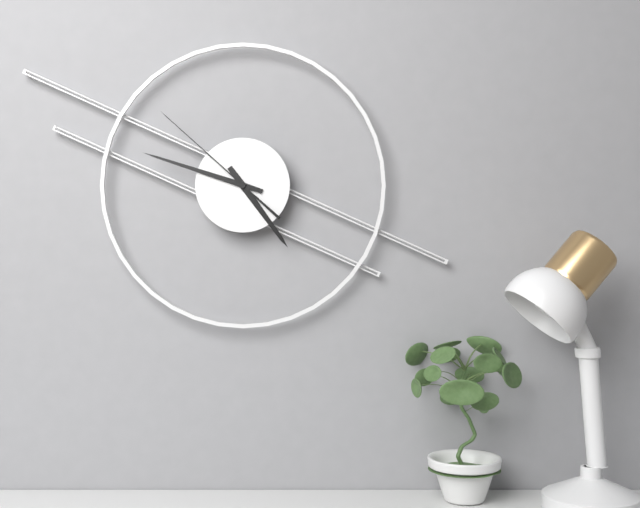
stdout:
4h48m52s
